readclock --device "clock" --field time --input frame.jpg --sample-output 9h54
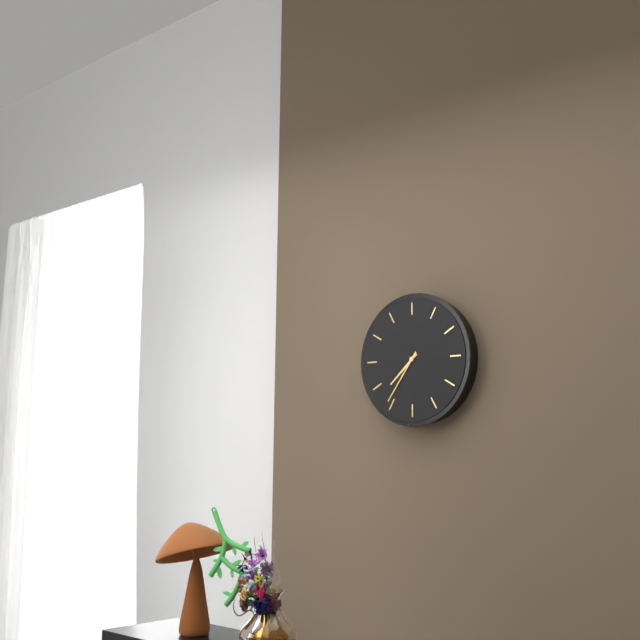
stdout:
7h36
